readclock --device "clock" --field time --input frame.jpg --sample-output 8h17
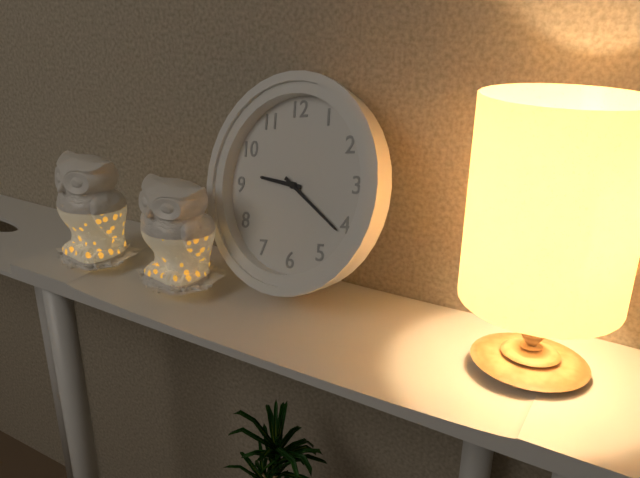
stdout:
9h21
